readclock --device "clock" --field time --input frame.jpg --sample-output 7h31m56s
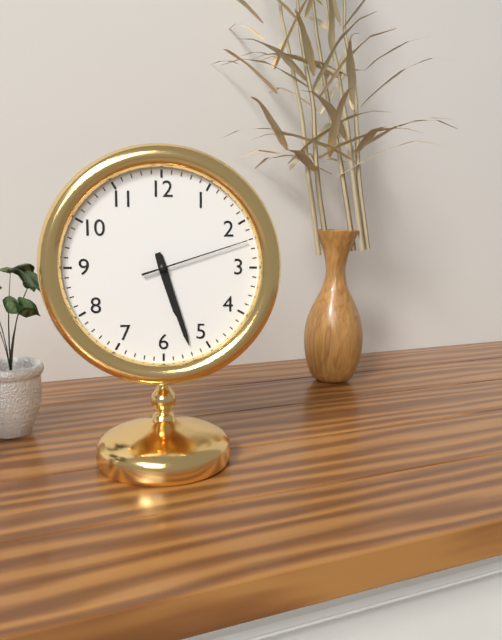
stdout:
5h27m12s
